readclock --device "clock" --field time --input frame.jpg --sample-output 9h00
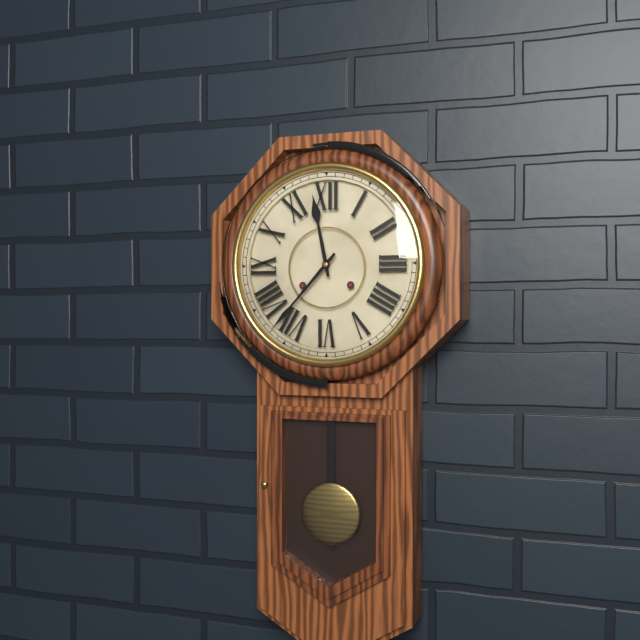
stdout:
11h37
